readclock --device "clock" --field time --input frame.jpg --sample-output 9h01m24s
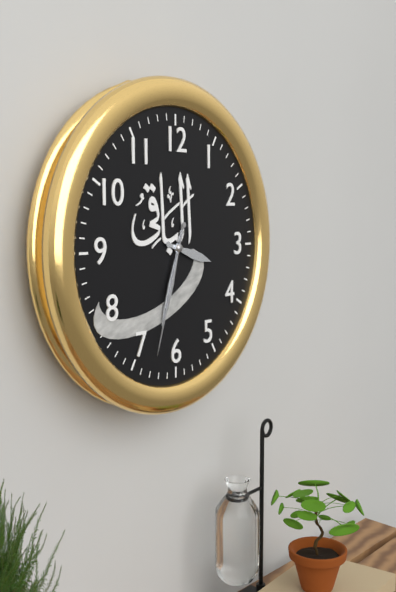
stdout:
3h33m33s
